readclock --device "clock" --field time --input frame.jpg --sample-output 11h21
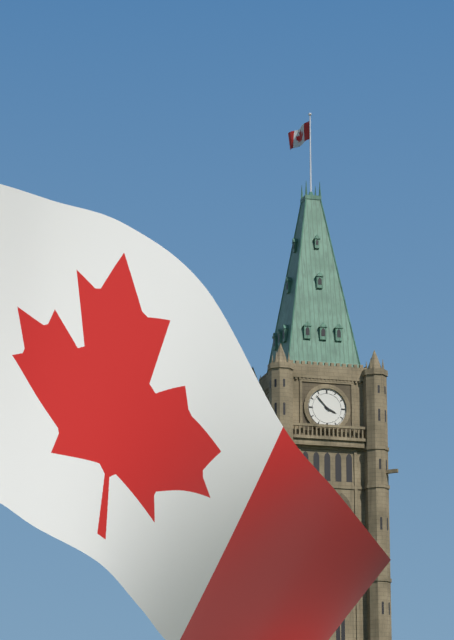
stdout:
3h53
